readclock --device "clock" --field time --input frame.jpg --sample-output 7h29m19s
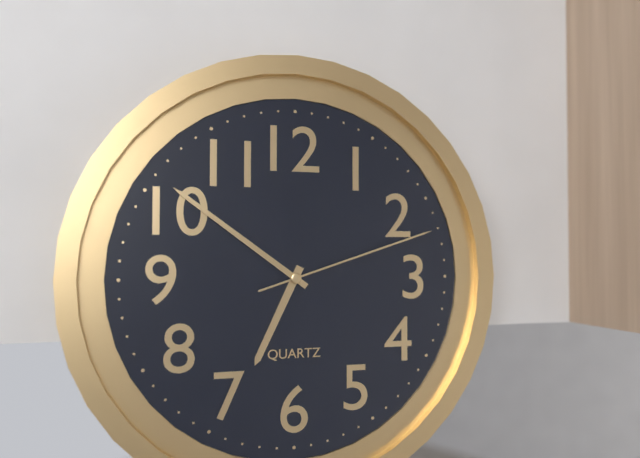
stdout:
6h51m12s
